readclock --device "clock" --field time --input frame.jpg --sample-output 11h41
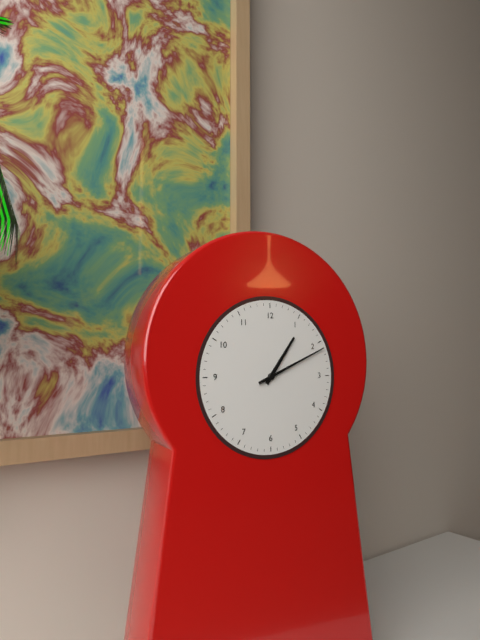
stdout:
1h11
